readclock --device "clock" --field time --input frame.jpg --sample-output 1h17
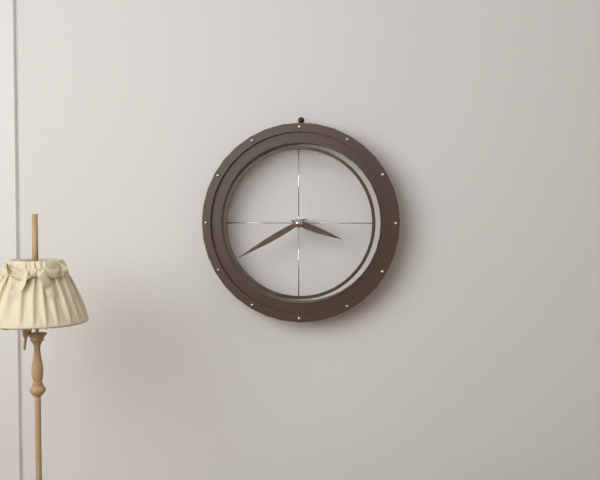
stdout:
3h40
